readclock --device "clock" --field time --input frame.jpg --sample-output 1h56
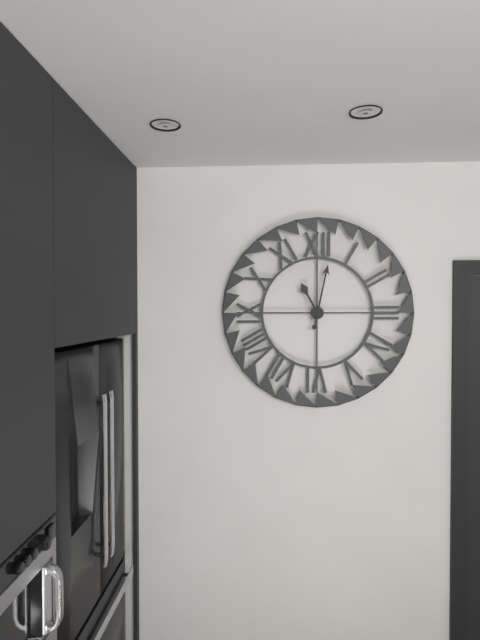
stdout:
11h02
